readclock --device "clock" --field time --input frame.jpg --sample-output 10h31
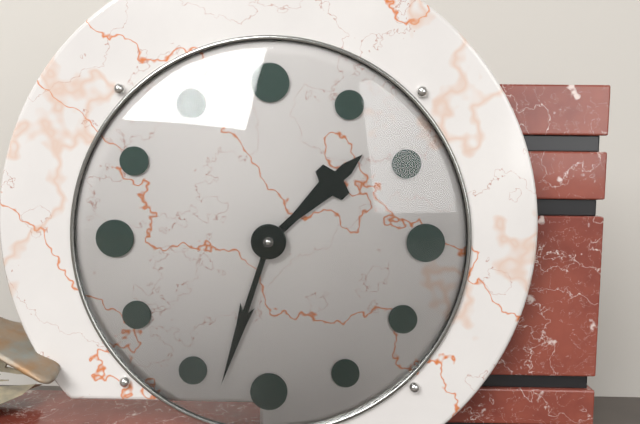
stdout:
1h33
